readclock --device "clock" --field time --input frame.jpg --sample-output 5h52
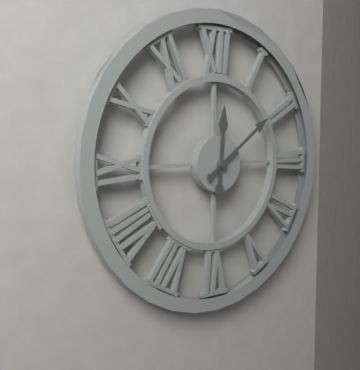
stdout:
12h09
